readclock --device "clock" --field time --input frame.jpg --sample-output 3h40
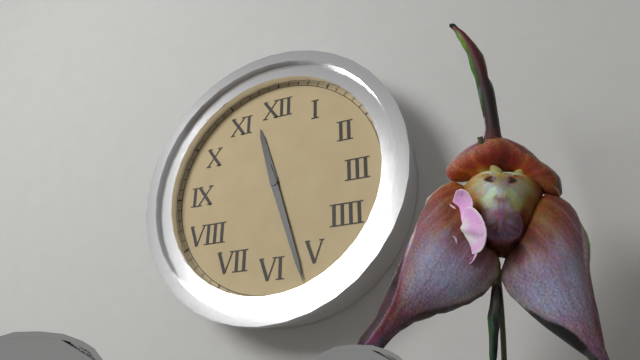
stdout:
11h27
